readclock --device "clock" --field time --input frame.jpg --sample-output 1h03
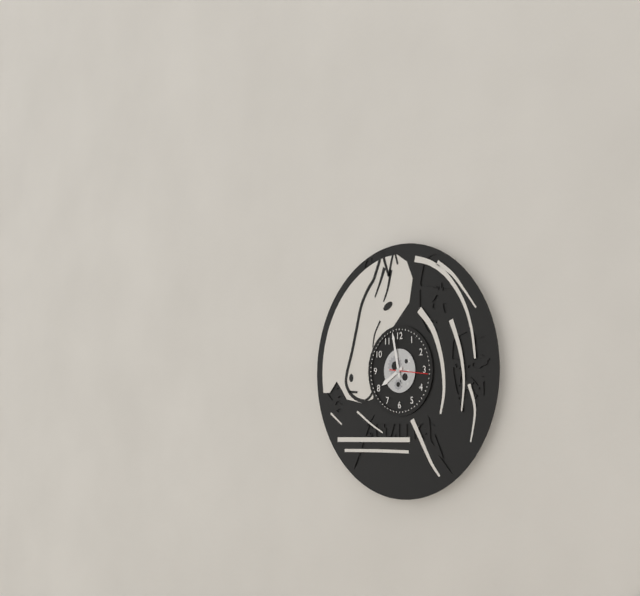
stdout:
7h58
